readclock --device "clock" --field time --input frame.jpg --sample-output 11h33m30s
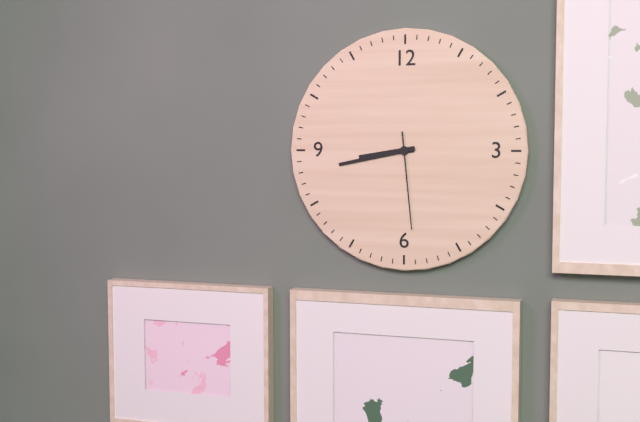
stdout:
8h43m29s
